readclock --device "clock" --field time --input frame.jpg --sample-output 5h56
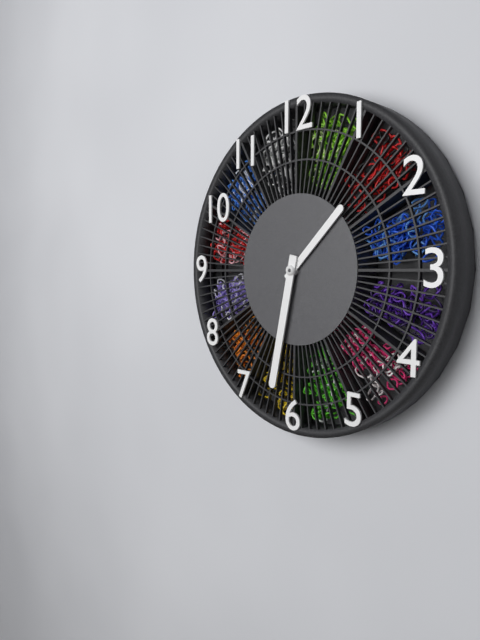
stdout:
1h32
